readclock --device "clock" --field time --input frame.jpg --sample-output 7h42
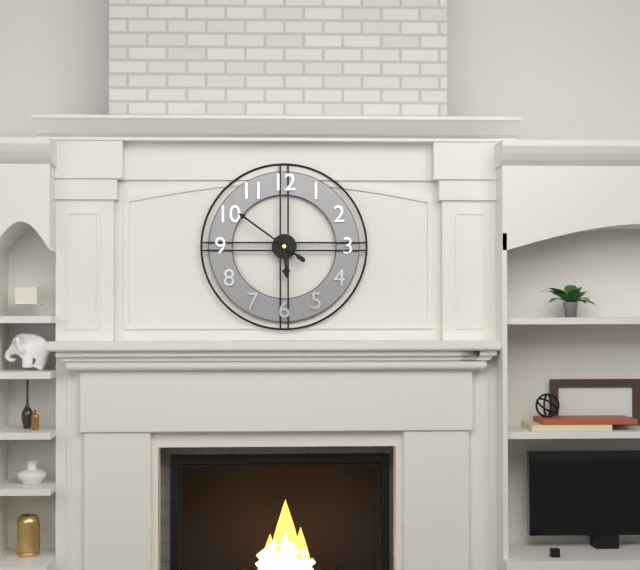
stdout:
5h51
